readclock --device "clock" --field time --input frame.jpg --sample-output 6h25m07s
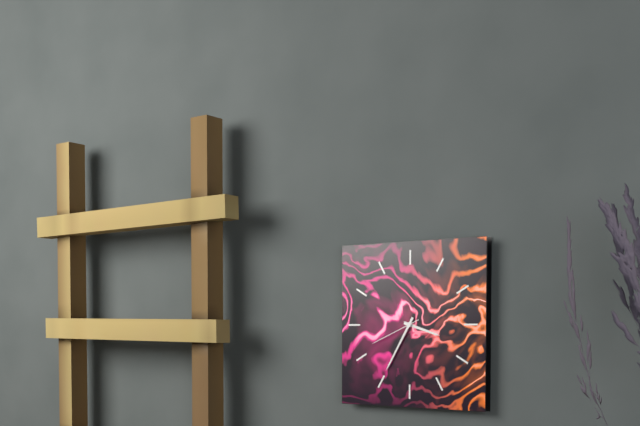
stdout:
3h35m41s
